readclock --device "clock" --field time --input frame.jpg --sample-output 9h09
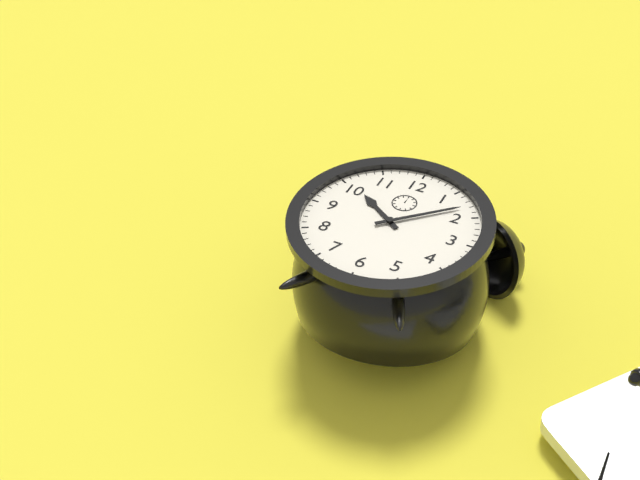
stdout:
10h08
